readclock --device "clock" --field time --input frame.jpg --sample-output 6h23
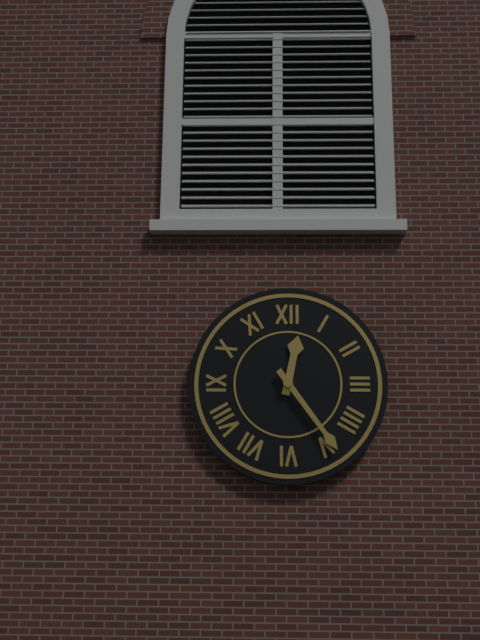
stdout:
12h24
